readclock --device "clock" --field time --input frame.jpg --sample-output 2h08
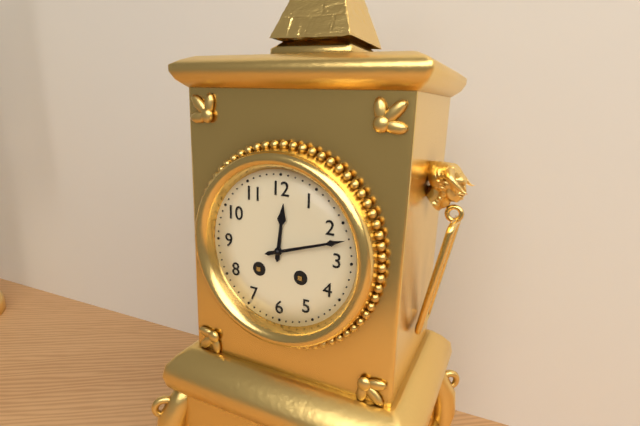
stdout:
12h12
